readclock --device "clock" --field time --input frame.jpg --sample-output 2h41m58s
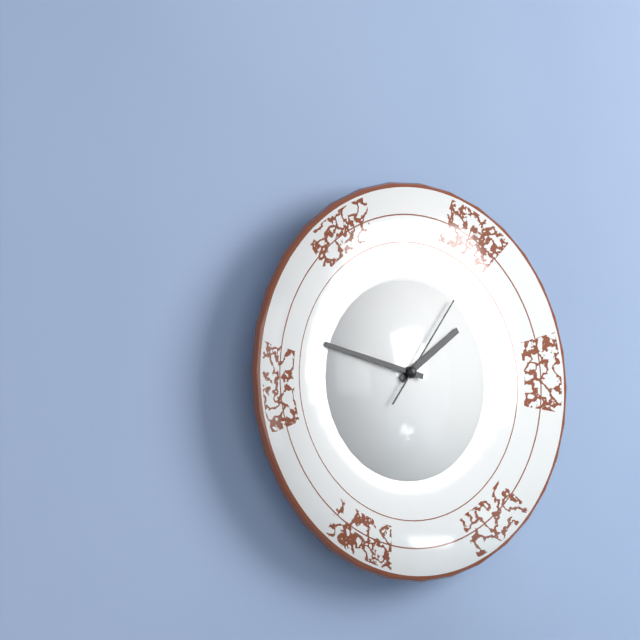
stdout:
1h47m06s
